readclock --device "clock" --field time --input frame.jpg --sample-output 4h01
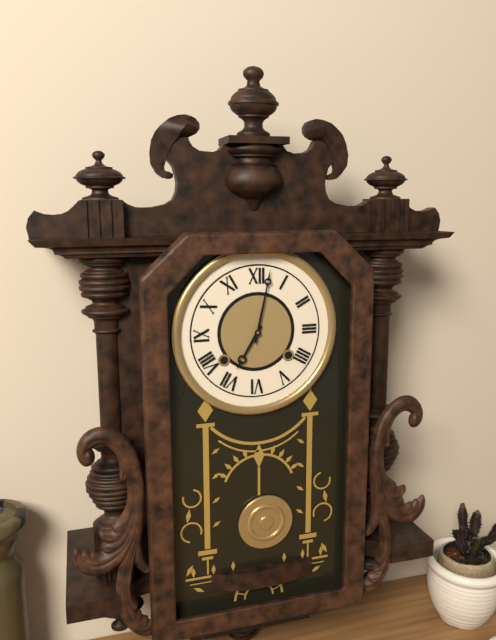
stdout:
7h02
